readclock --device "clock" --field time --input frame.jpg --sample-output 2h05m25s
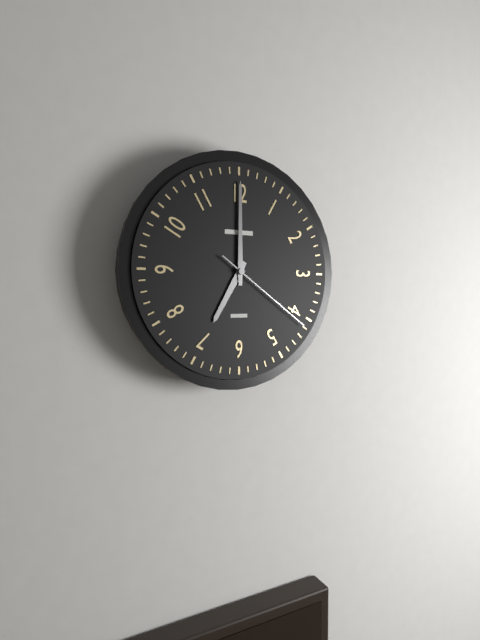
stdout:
7h00m21s
